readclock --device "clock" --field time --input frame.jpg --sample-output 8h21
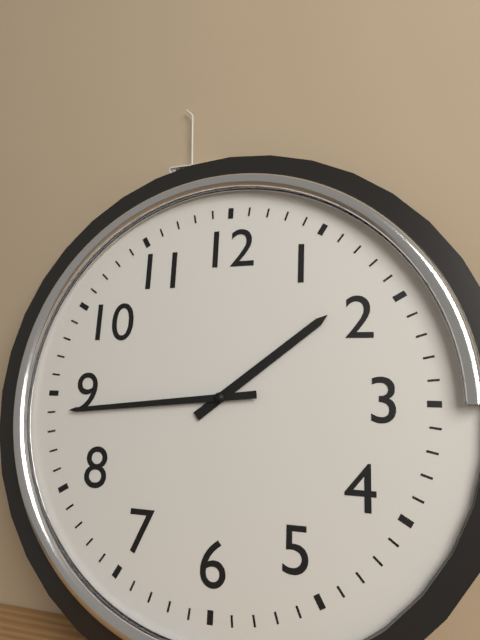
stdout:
1h44
